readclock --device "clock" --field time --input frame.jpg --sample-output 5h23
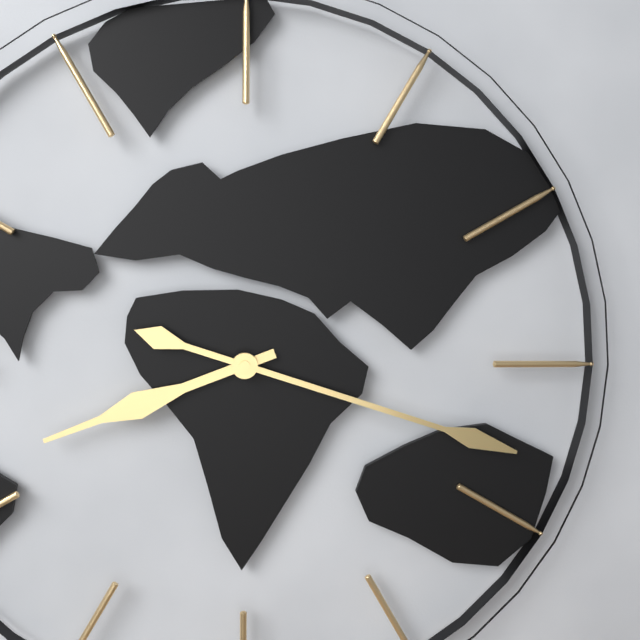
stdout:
8h18
